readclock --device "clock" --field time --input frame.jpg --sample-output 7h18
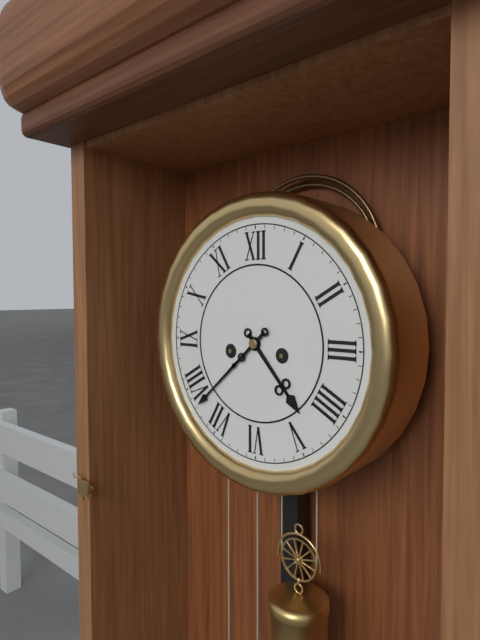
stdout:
4h38
